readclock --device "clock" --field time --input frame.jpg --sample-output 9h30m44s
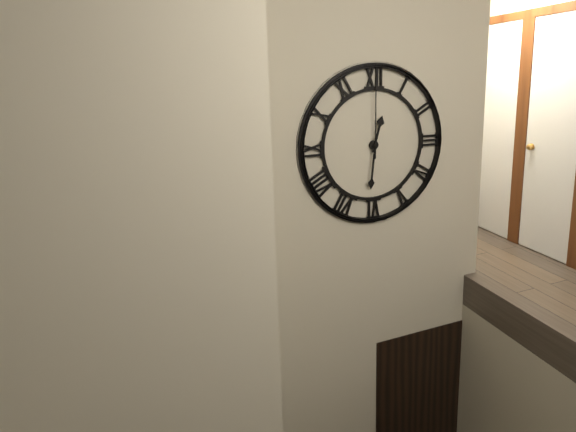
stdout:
12h31m00s
